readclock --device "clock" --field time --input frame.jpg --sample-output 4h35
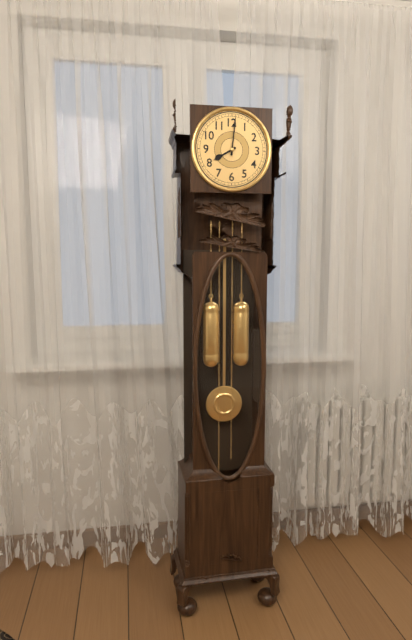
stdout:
8h01
